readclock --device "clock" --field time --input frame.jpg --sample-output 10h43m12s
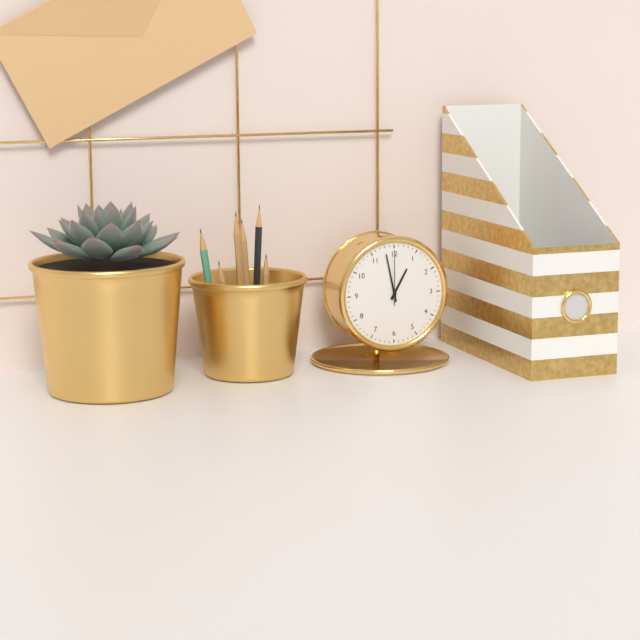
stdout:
12h58m00s
